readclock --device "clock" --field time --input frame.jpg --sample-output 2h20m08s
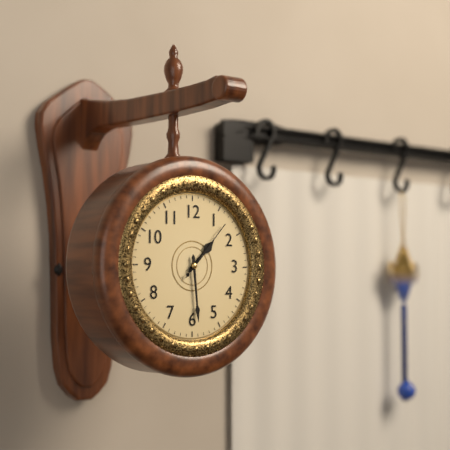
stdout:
1h29m07s
